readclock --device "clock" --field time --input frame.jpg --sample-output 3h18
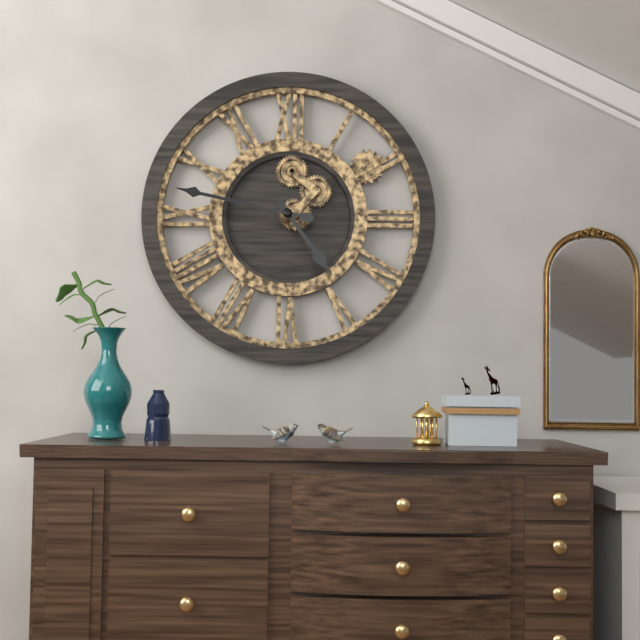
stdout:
4h47
